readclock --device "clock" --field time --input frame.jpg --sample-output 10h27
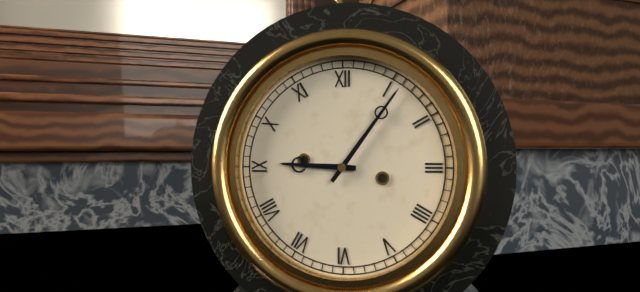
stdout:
9h06
